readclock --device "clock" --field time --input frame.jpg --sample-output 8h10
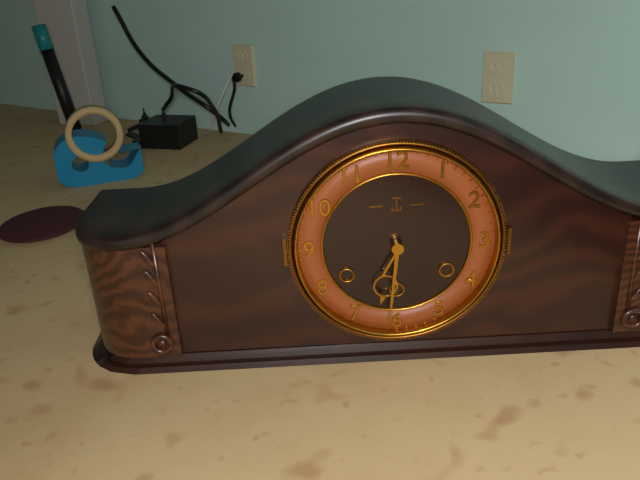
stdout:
6h31
